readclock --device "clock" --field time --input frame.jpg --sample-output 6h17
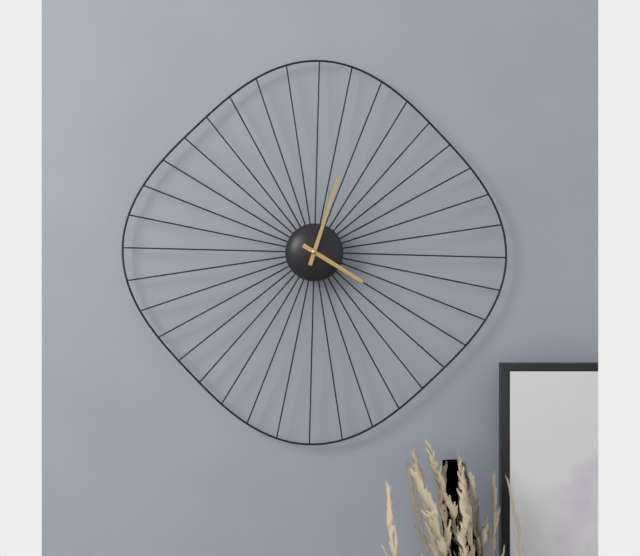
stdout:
4h03
